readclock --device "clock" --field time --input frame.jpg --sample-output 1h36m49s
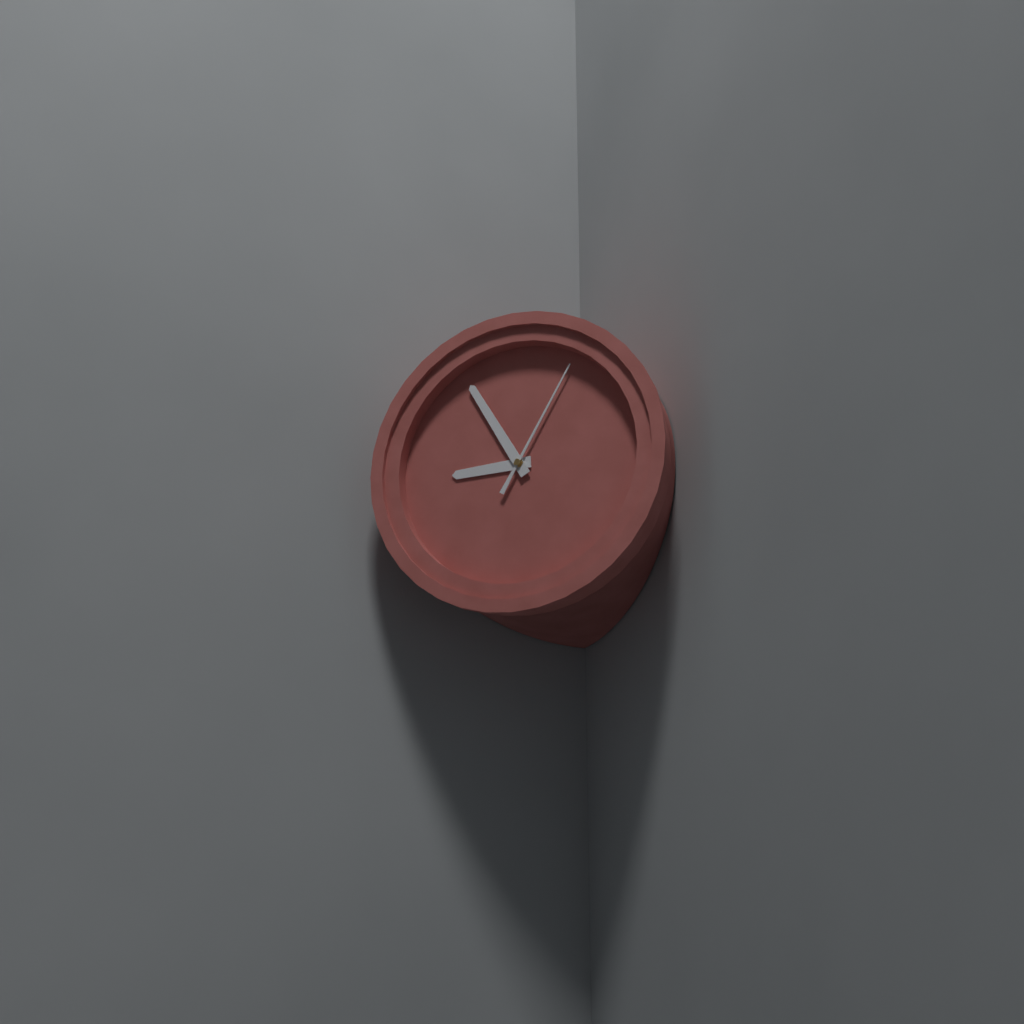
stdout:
8h55m05s
